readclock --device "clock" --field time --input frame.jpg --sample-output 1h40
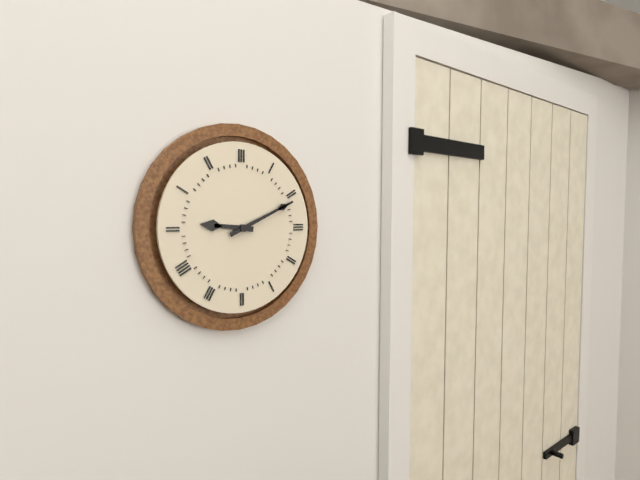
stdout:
9h11
